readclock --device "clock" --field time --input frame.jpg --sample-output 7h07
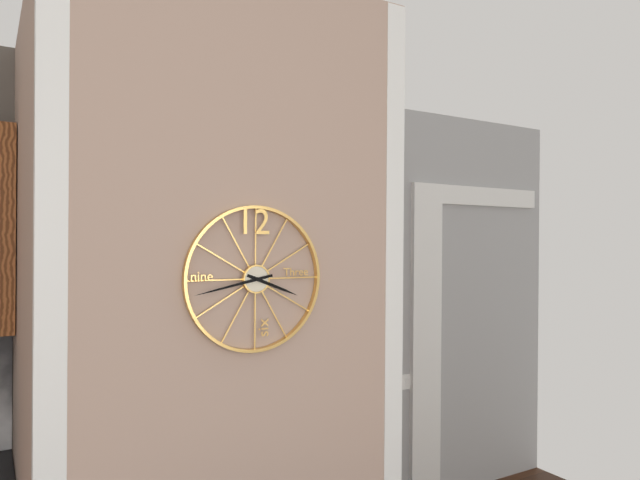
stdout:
3h43
